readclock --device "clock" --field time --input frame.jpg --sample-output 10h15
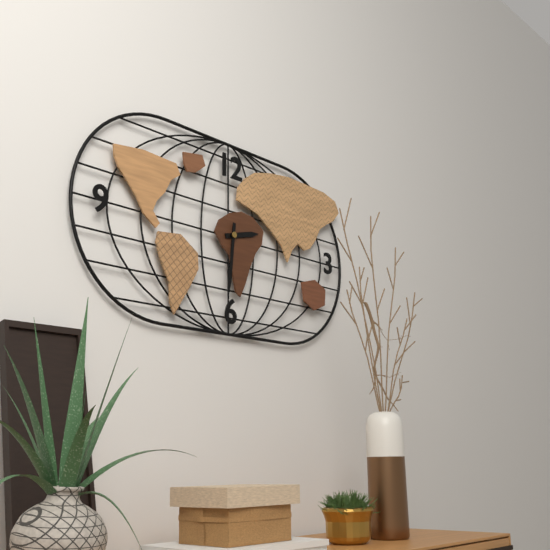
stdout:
2h31
